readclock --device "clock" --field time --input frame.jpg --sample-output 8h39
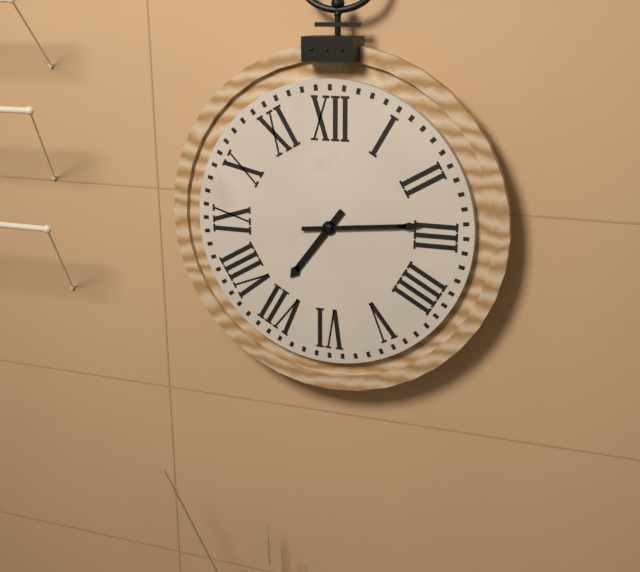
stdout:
7h14
